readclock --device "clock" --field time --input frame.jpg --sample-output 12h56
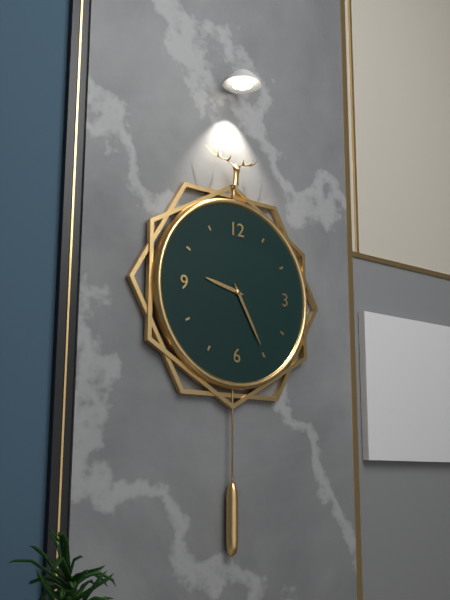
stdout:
9h25
